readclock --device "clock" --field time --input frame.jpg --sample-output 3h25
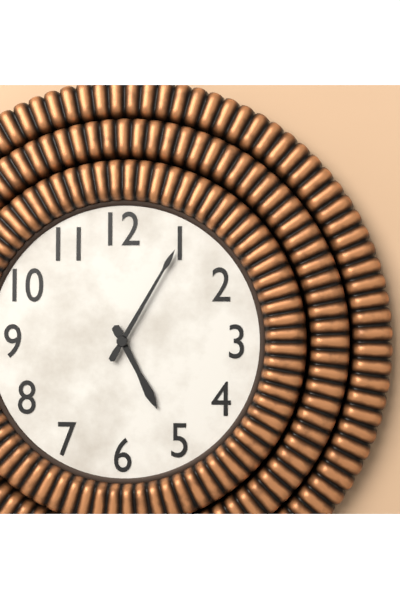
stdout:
5h05
